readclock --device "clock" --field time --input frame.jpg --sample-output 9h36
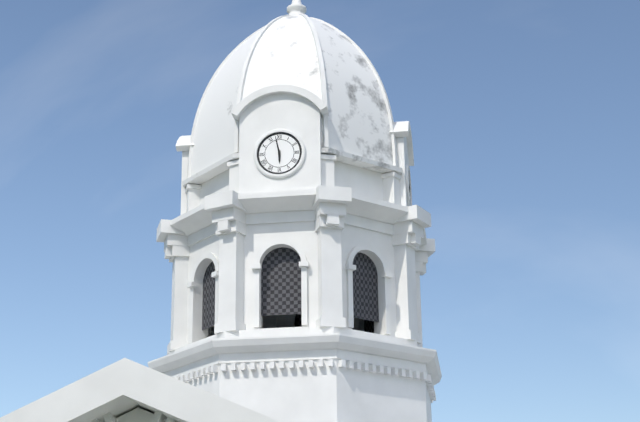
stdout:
5h58
